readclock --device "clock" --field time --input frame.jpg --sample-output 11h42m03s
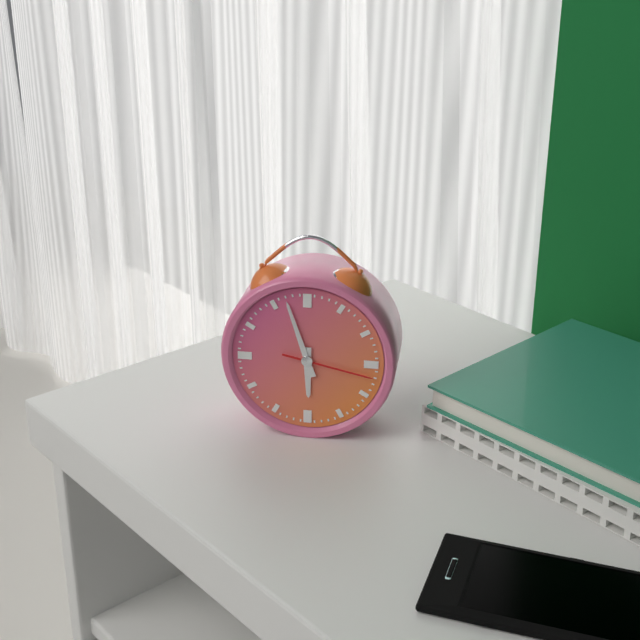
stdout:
5h57m17s
